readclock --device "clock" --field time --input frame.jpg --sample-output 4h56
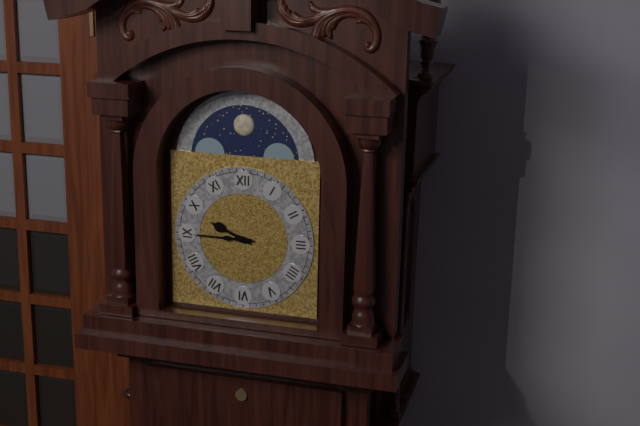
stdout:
9h45
